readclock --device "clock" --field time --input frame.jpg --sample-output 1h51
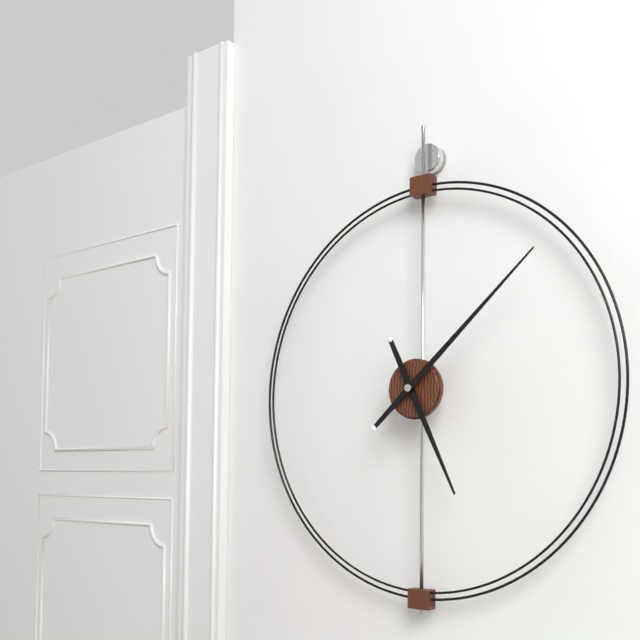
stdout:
5h08
